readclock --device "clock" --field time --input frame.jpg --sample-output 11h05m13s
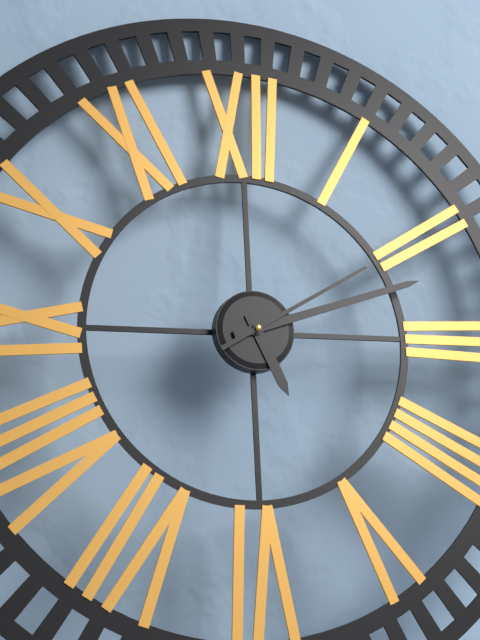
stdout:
5h12m10s
